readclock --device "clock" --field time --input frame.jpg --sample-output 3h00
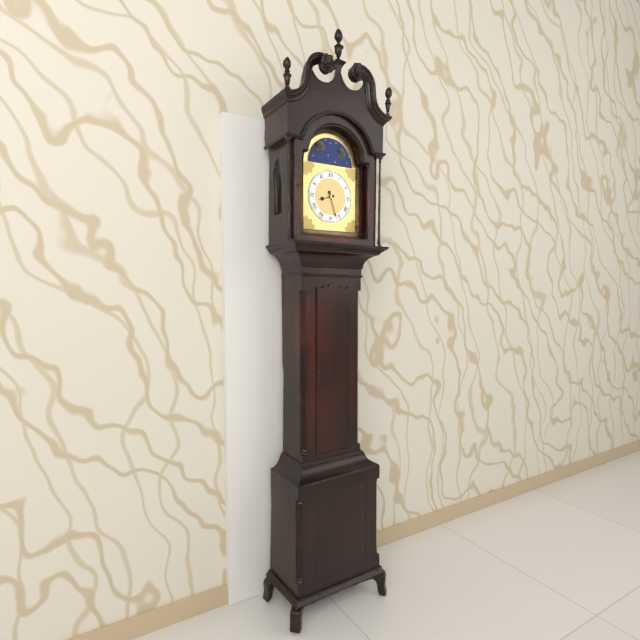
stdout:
8h27
